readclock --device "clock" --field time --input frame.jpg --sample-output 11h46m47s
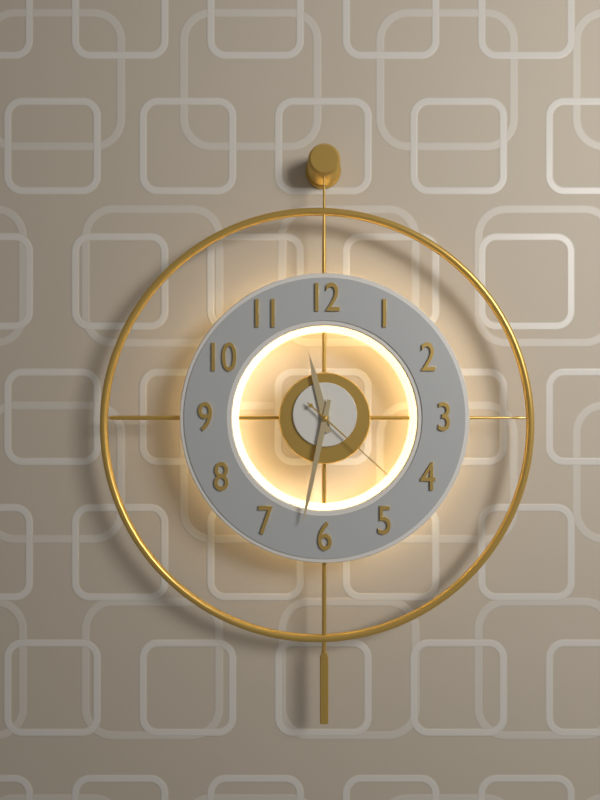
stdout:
11h32m22s
